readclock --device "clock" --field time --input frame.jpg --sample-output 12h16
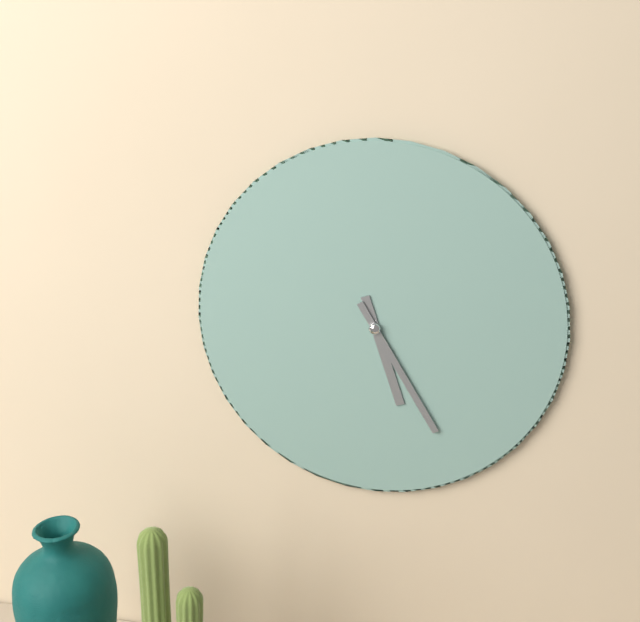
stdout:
5h25
